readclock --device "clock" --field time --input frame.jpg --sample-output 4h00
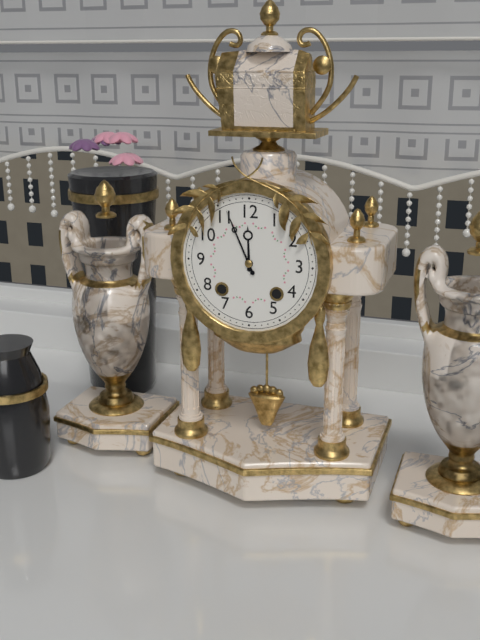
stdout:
11h56
